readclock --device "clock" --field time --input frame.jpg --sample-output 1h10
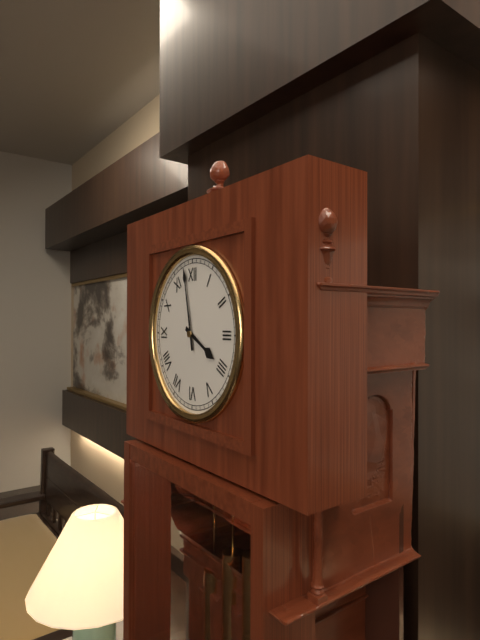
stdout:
3h58
